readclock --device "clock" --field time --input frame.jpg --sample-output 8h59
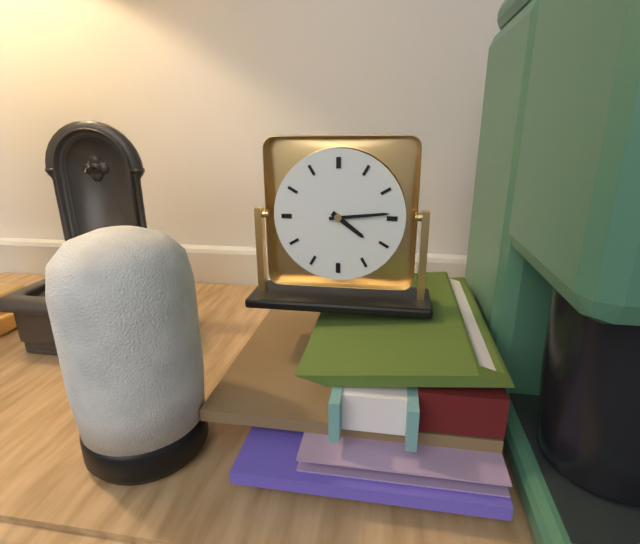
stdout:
4h14
